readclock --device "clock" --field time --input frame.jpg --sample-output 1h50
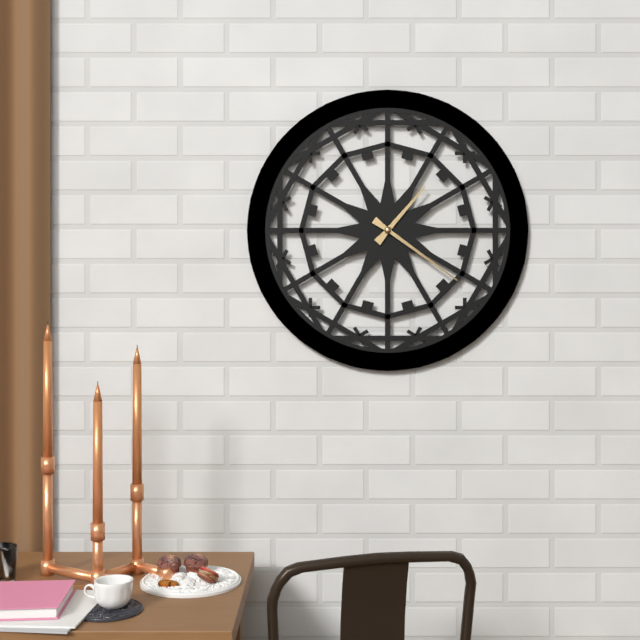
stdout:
1h21
